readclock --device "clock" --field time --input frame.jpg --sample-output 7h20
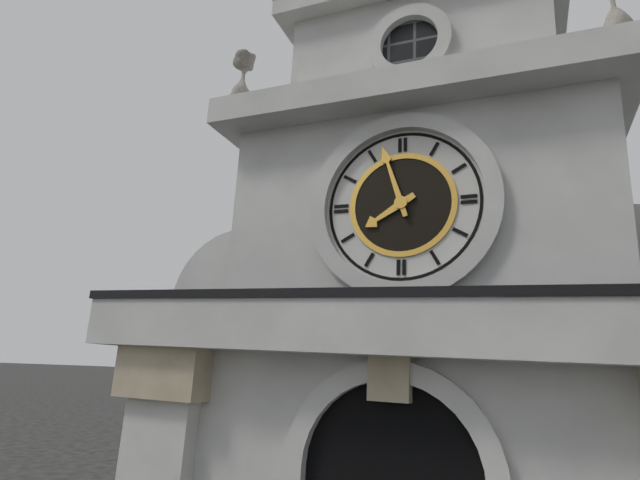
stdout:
7h57
